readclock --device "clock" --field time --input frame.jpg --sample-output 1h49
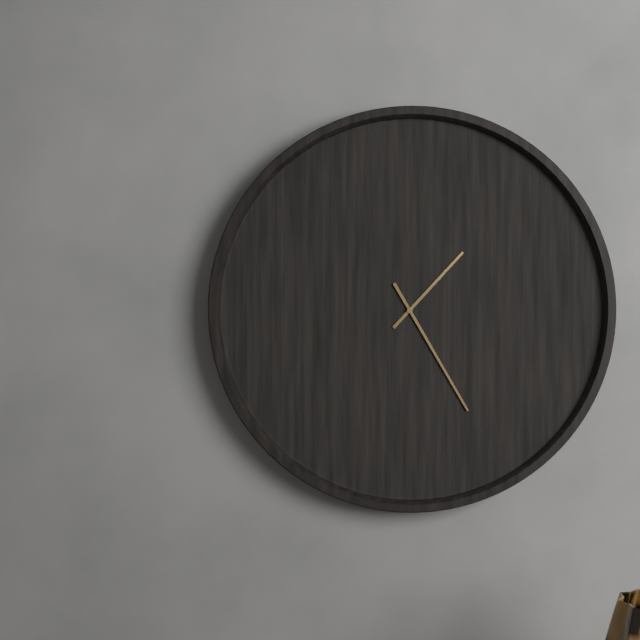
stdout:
1h25
